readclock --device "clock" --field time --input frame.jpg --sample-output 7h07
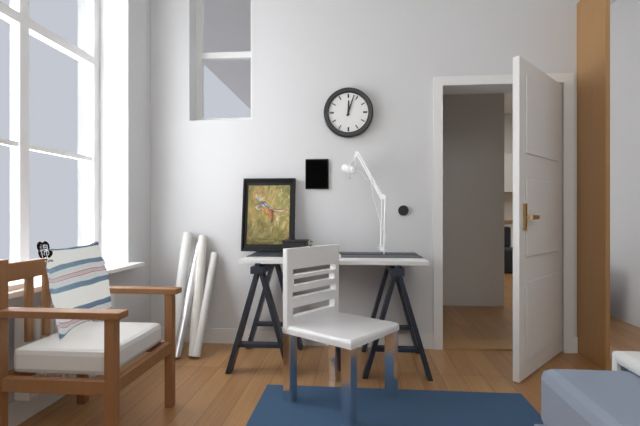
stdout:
12h03
